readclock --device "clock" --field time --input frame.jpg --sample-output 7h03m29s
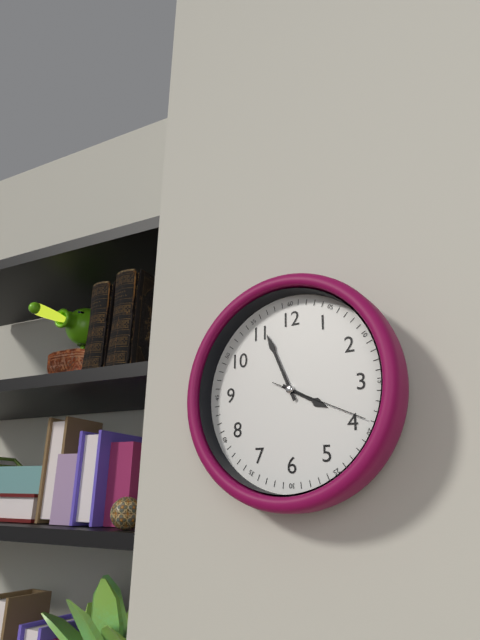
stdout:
3h56m19s
